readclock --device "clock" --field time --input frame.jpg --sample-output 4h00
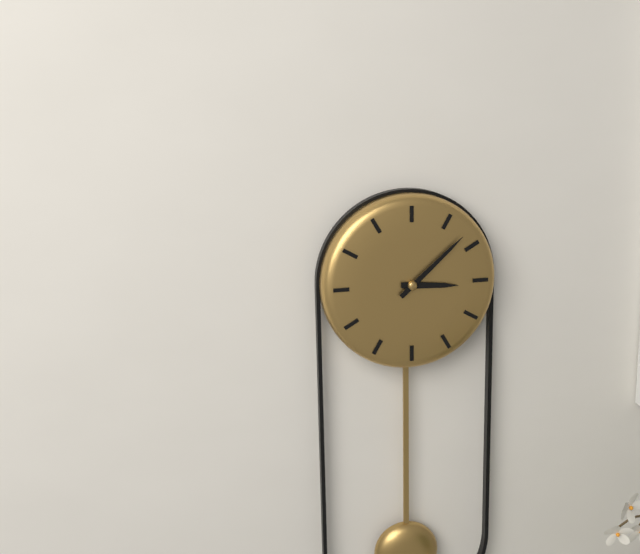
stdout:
3h08
